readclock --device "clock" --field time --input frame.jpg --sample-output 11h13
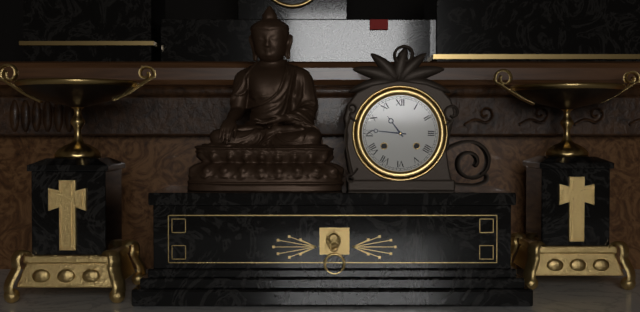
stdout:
10h46
